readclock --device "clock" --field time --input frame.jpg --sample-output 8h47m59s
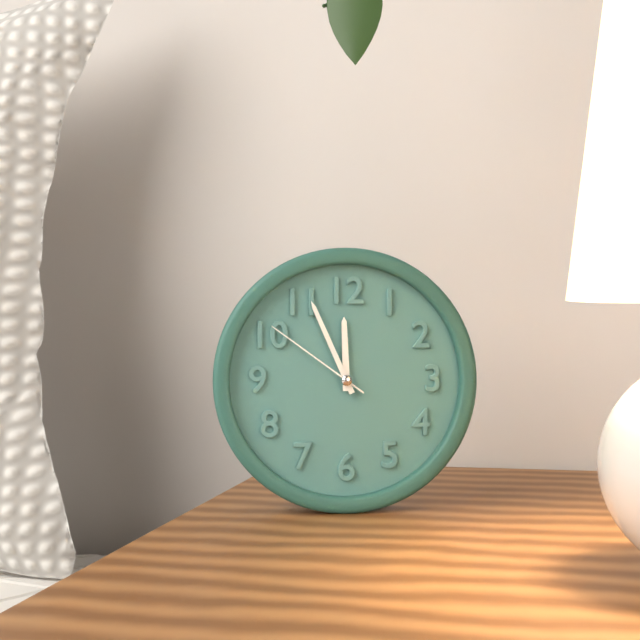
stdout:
11h56m51s
